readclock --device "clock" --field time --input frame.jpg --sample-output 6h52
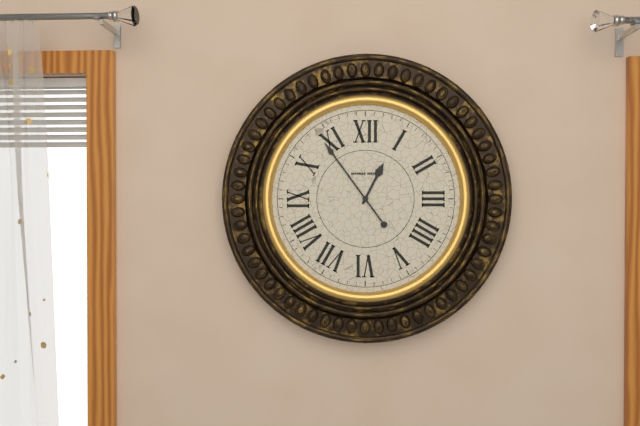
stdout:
12h54
